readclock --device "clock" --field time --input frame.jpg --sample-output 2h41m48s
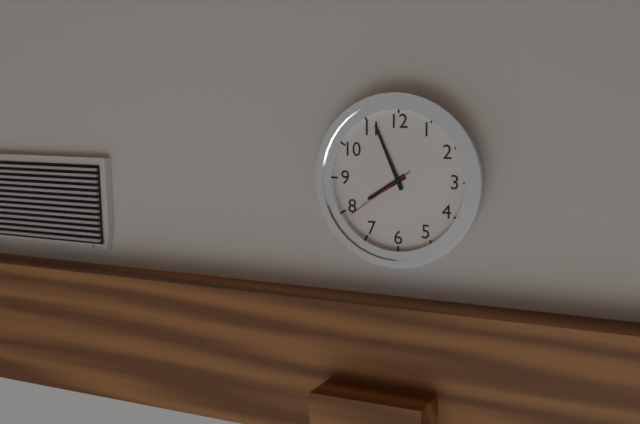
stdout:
7h56m39s
